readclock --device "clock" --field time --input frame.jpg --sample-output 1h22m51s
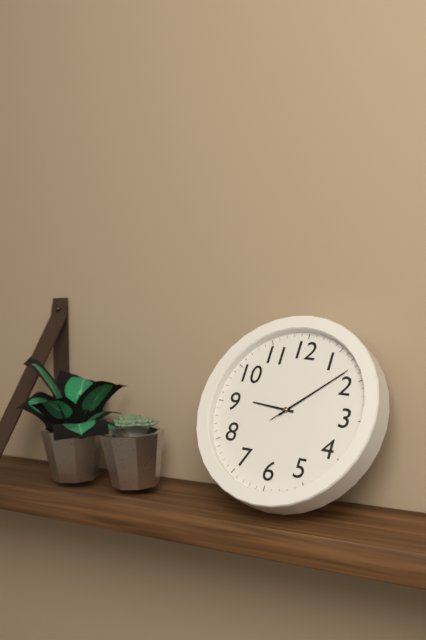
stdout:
9h08m08s
